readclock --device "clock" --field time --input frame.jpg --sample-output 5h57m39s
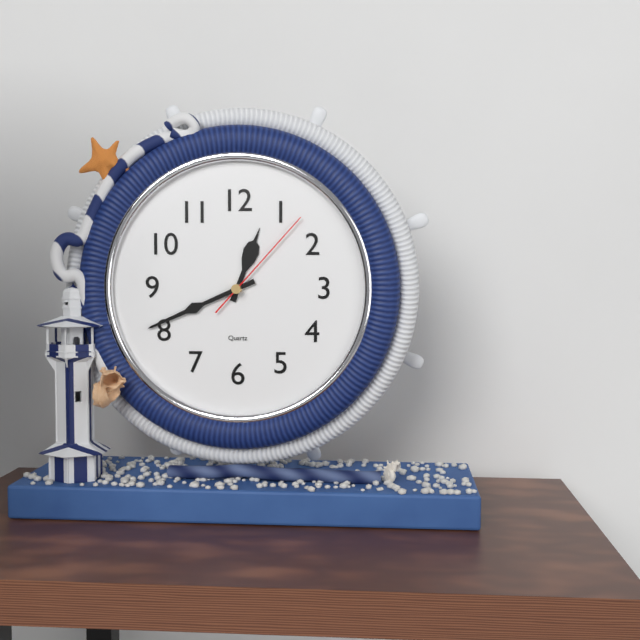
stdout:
12h41m07s
